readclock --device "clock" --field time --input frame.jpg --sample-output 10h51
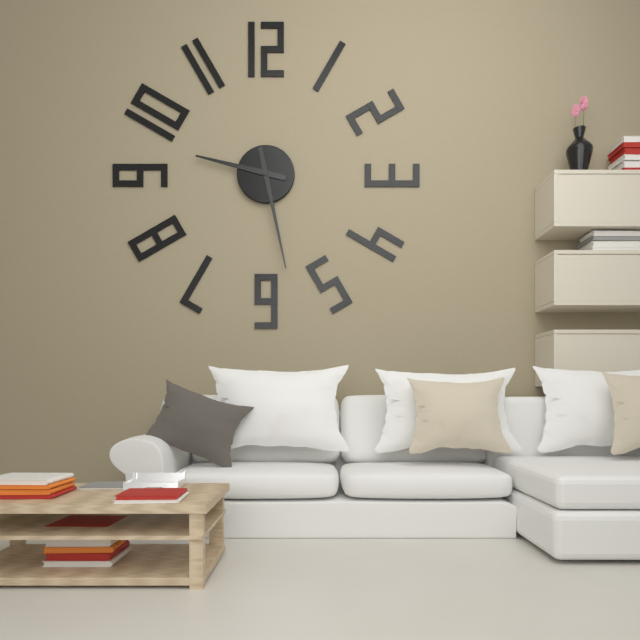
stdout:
9h28
